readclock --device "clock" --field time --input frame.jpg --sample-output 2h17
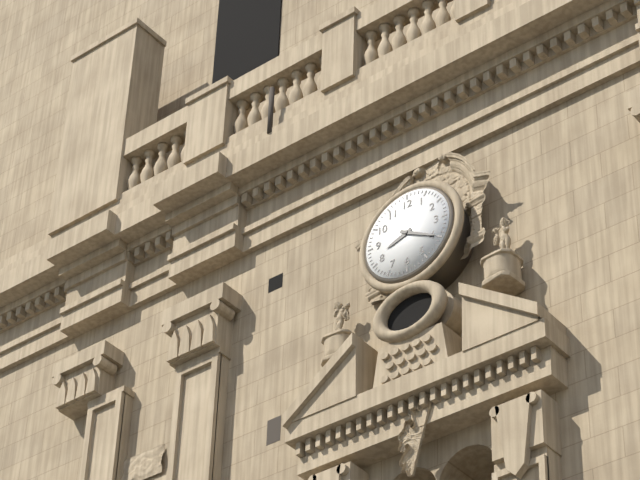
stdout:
8h20
